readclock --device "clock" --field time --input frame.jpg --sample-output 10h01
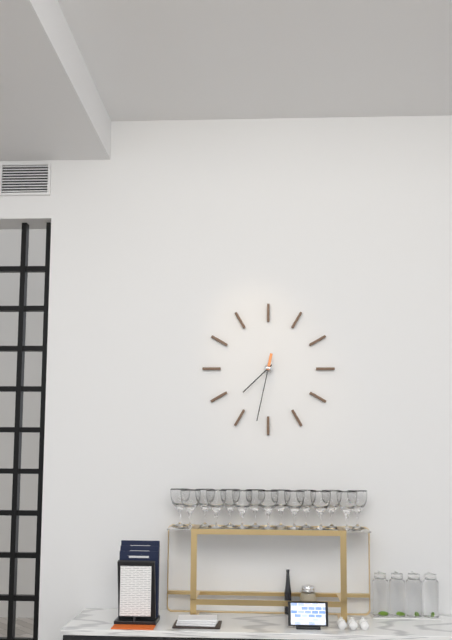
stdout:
7h32
